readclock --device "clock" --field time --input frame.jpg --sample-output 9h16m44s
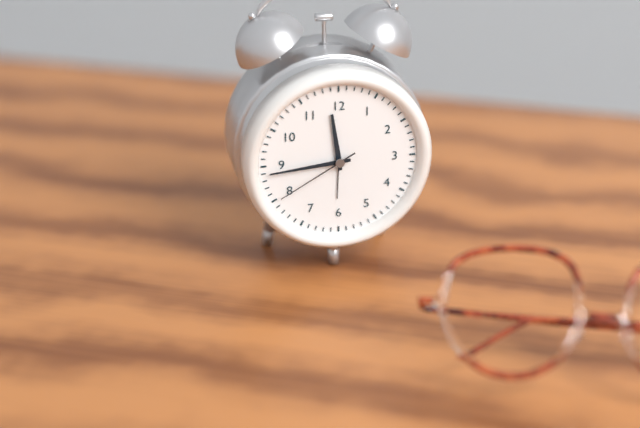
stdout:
11h44m40s
